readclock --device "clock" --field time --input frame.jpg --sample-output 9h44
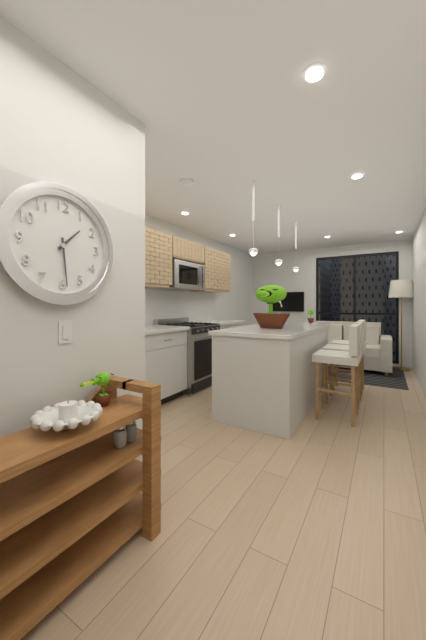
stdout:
1h29
